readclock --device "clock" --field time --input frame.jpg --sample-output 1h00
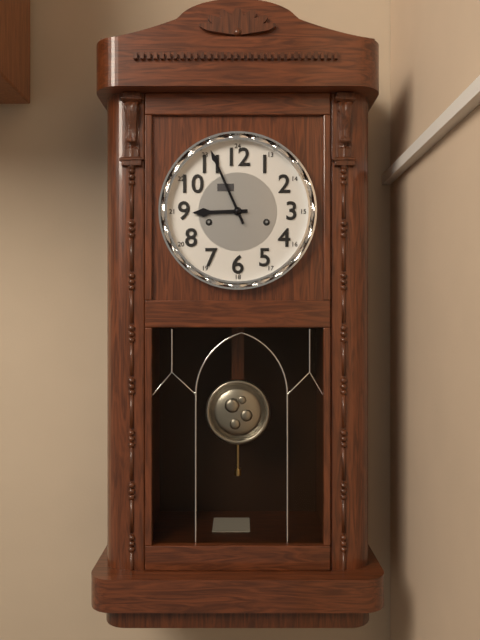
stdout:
8h56
